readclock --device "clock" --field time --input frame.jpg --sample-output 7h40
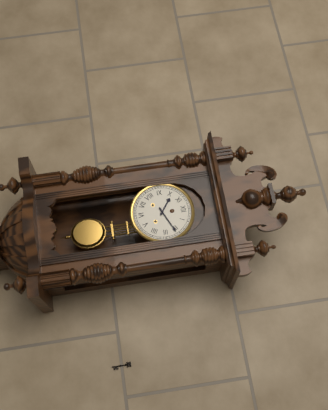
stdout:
10h11
